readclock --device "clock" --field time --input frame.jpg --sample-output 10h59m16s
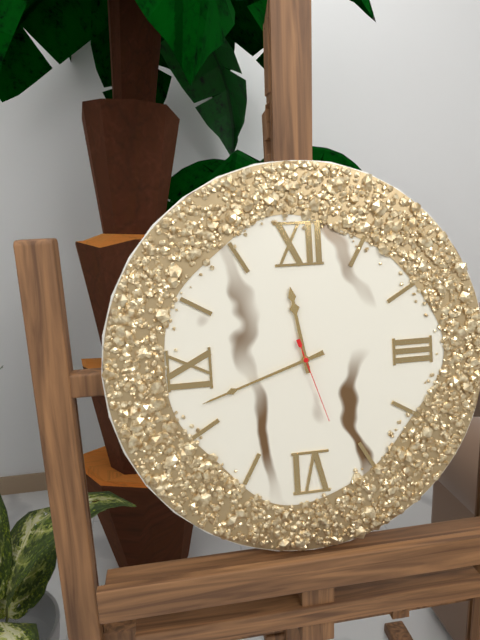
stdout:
11h42m27s
